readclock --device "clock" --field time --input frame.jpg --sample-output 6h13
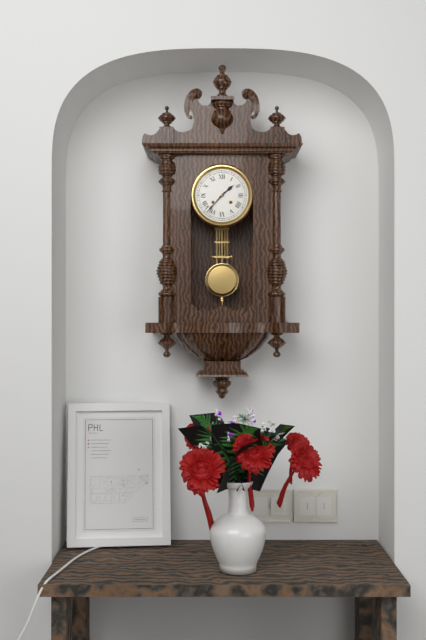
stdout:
1h37
